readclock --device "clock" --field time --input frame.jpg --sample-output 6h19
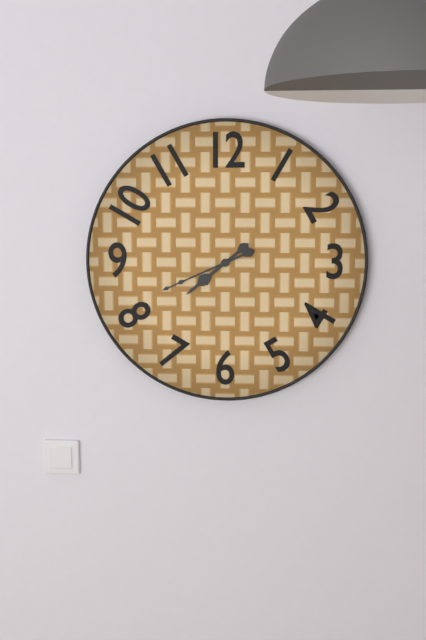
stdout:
7h41
